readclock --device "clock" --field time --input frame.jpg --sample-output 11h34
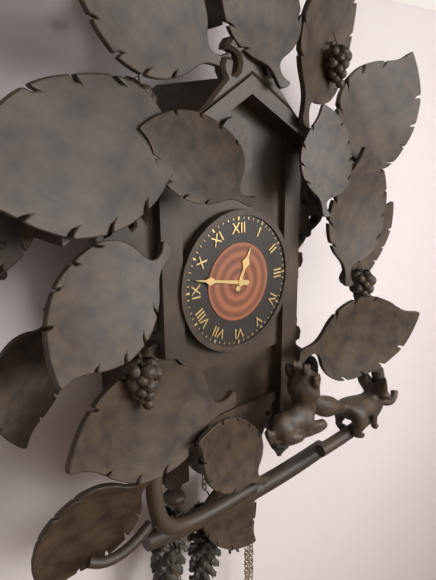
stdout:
12h47
